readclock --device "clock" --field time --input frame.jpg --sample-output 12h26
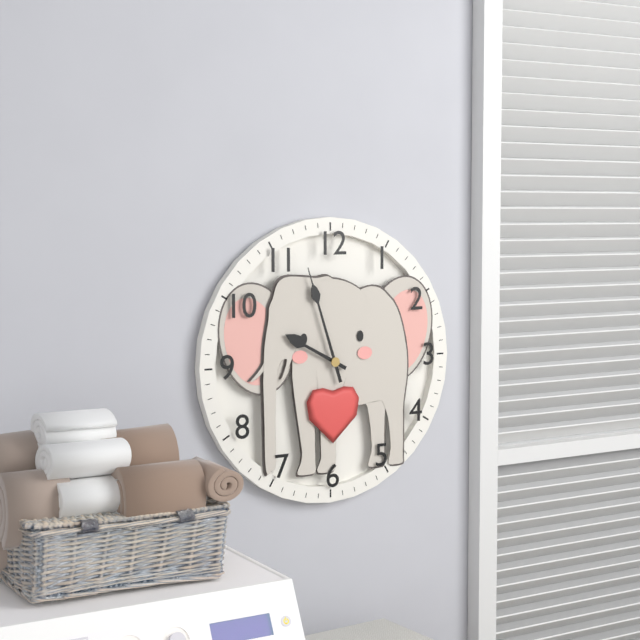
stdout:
9h57
